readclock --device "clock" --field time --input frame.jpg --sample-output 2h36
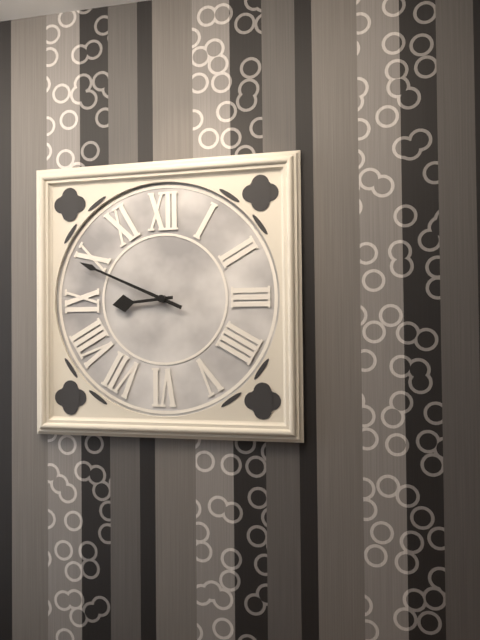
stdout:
8h49
